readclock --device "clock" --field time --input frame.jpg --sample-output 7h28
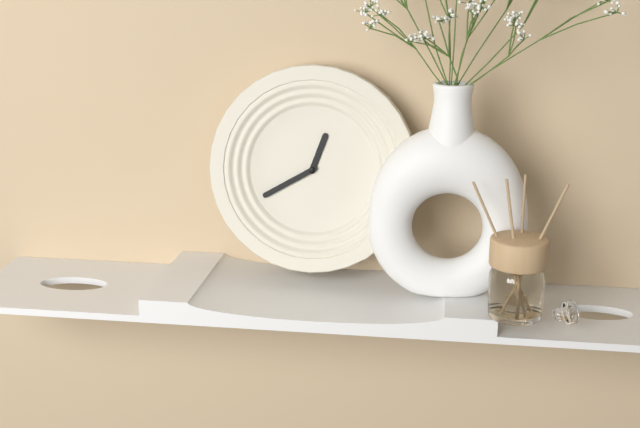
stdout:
12h40
